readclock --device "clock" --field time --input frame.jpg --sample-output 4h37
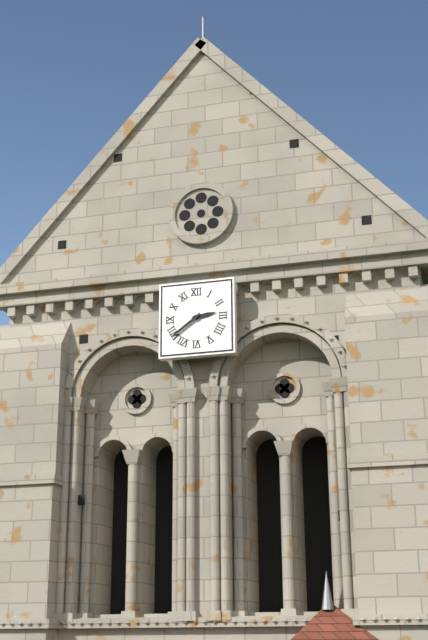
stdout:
2h39
